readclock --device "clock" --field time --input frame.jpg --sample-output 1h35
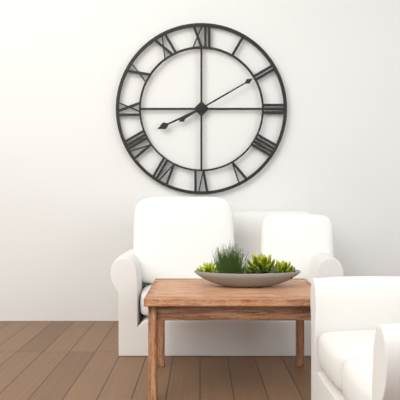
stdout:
8h10
